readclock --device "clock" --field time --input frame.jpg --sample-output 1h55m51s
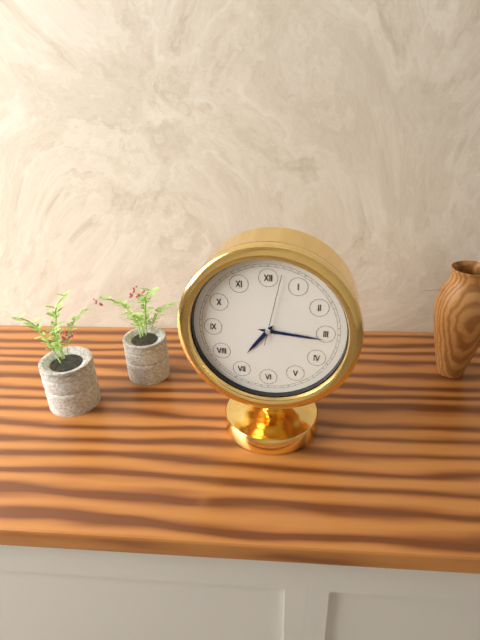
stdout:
7h16m02s
